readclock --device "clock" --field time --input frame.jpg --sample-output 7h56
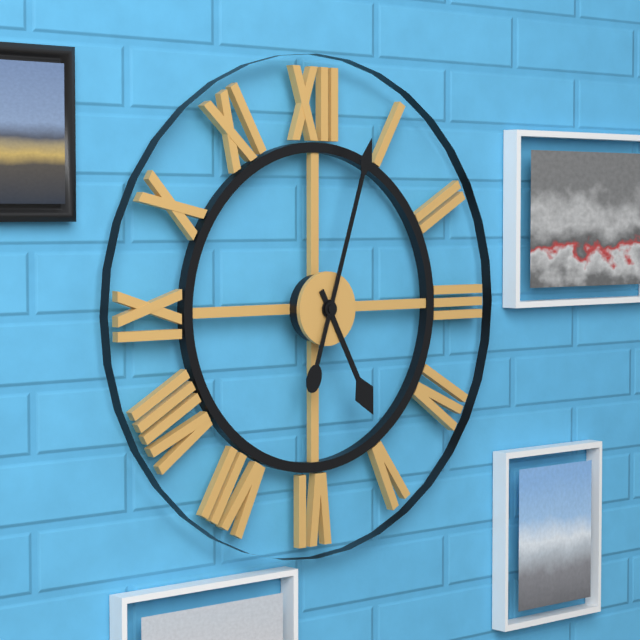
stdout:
5h03
